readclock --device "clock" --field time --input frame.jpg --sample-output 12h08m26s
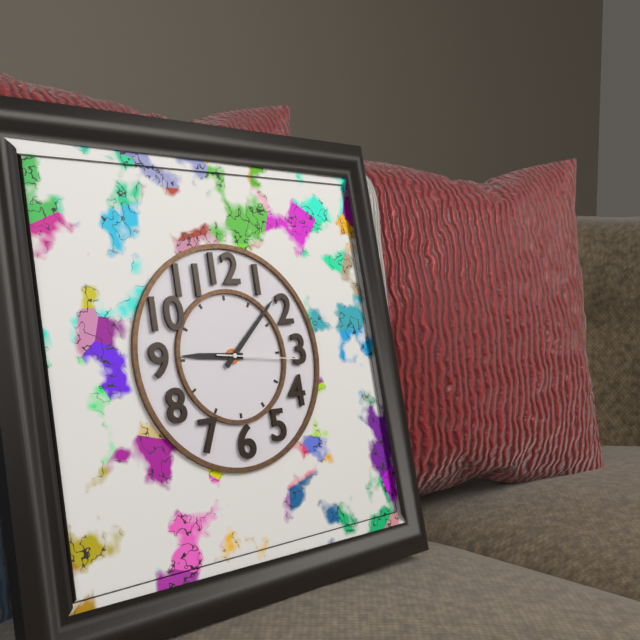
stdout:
9h08m16s
